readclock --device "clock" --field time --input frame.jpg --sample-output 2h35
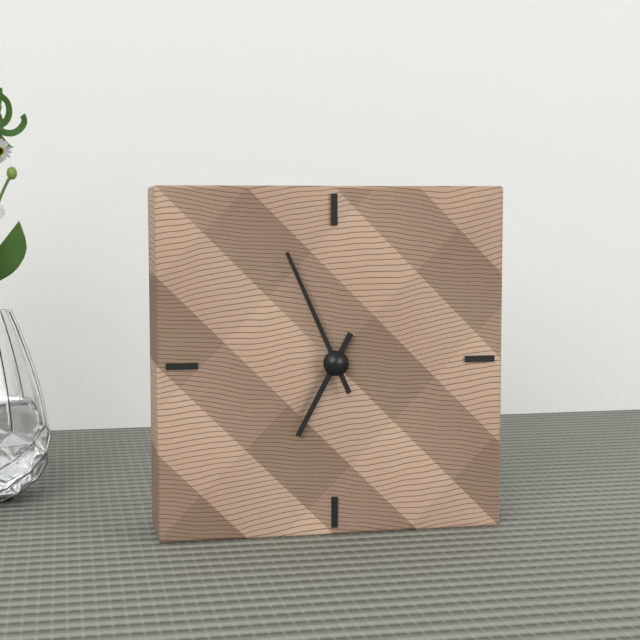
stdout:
6h56
